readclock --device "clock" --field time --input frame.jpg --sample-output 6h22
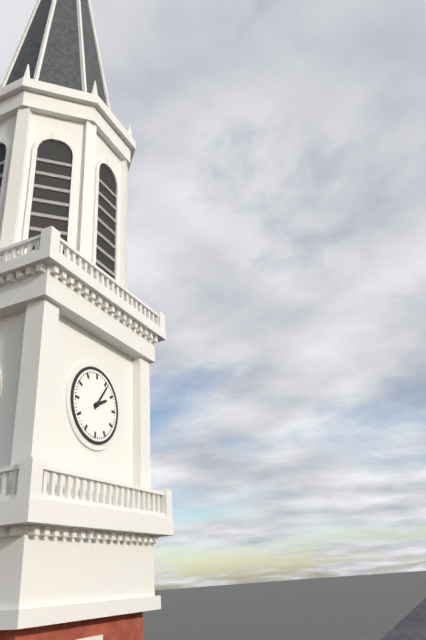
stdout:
2h06
